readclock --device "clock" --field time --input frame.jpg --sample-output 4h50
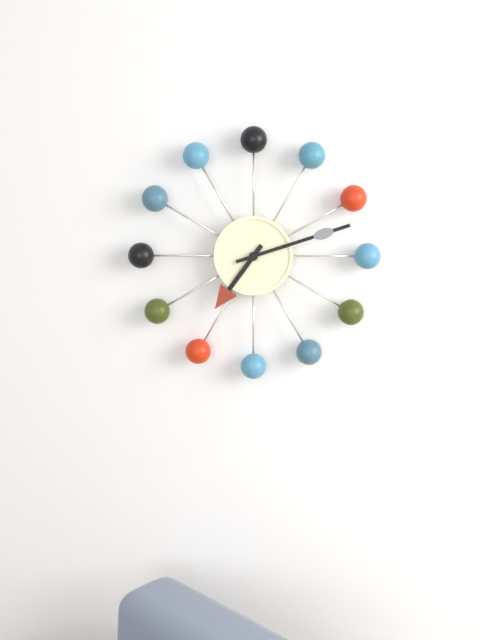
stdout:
7h12
